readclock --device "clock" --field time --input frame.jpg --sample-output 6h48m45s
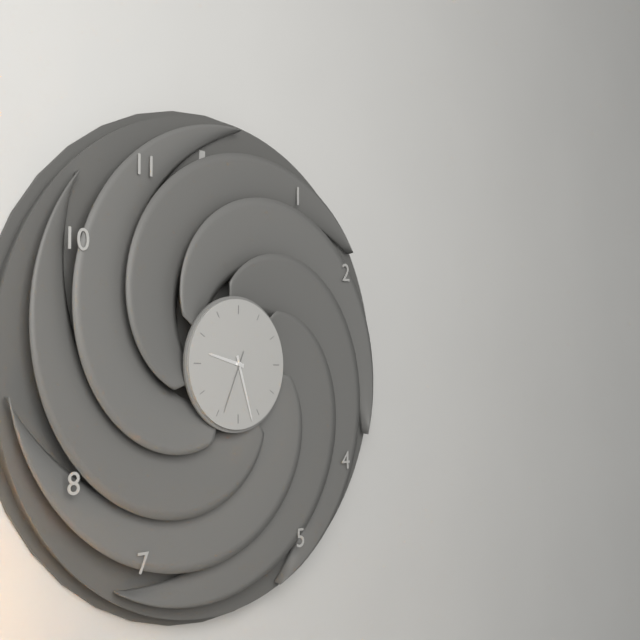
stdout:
9h27m34s
